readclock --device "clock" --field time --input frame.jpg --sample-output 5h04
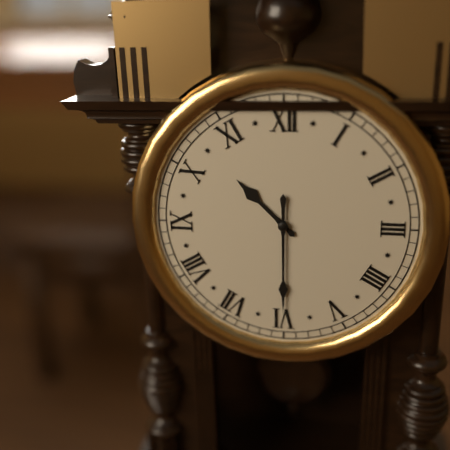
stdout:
10h30
